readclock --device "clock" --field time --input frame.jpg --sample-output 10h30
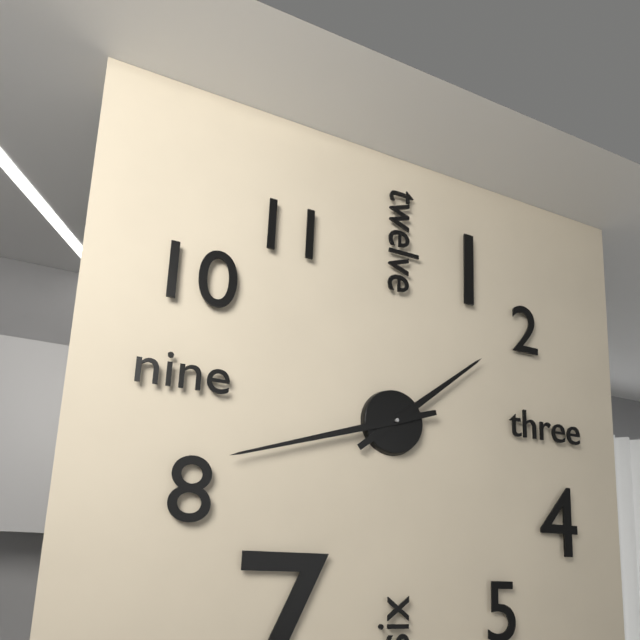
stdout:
1h42
